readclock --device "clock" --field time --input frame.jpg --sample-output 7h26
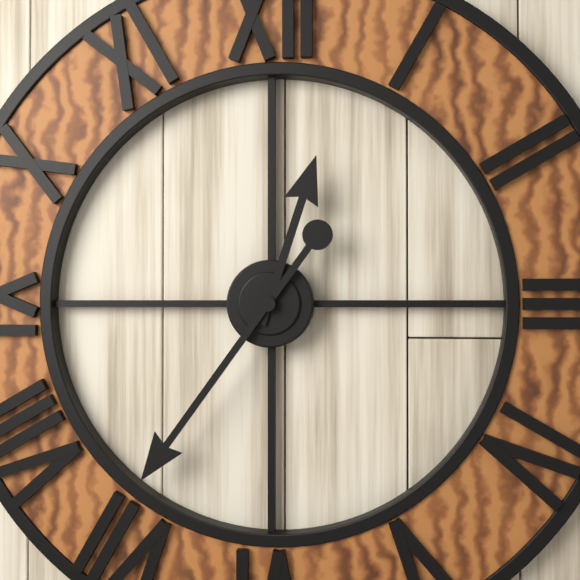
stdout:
12h36
